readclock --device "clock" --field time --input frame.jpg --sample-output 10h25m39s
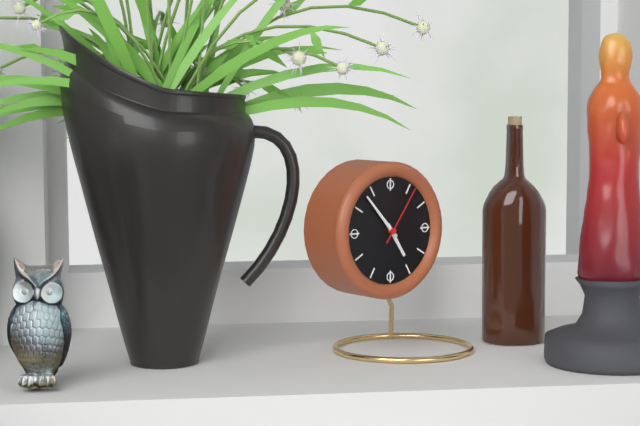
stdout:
4h53m06s
